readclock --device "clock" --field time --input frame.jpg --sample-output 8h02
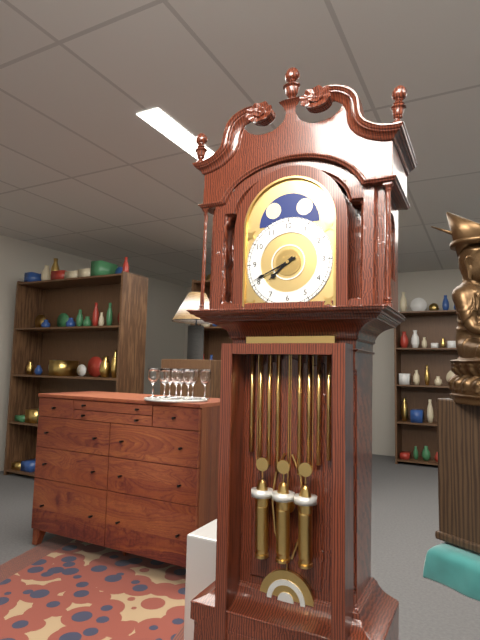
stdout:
7h41
